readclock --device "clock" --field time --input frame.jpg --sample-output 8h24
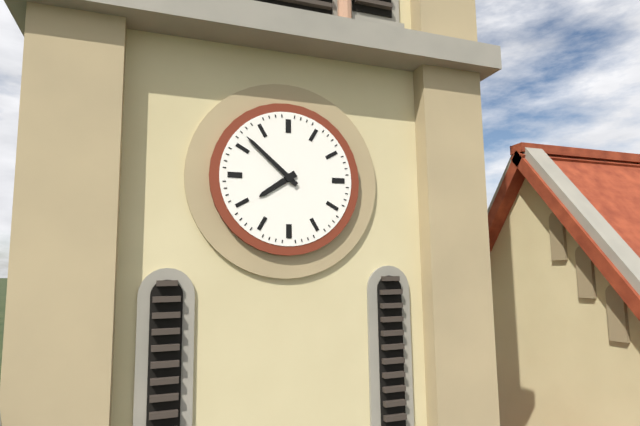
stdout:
7h52
